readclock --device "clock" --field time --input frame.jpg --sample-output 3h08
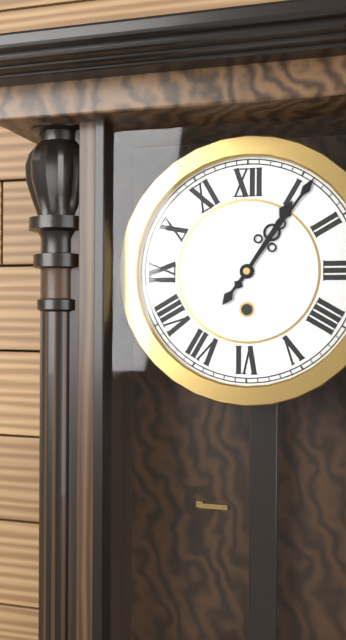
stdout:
1h06
